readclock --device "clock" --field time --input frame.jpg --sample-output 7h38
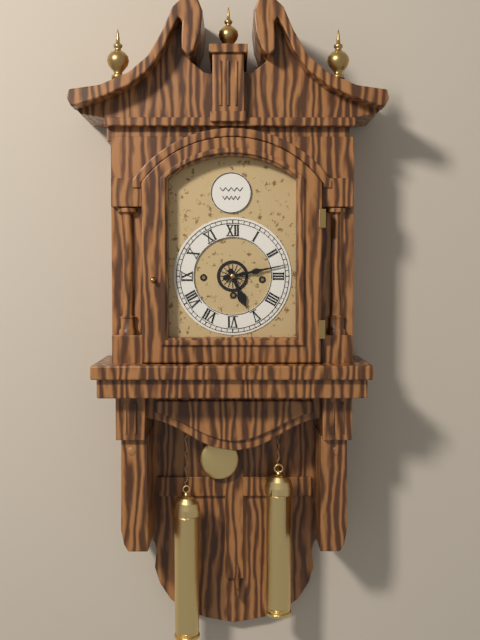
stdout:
5h13
